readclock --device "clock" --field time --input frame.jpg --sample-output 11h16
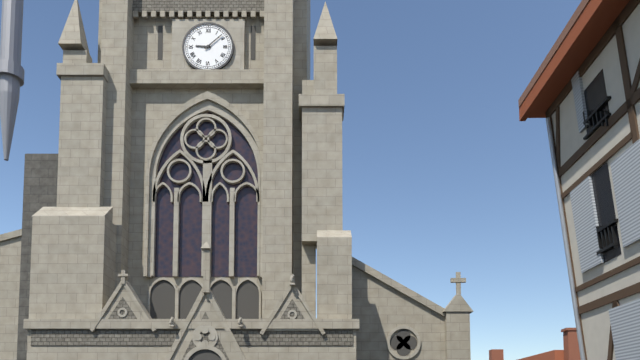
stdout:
9h08
